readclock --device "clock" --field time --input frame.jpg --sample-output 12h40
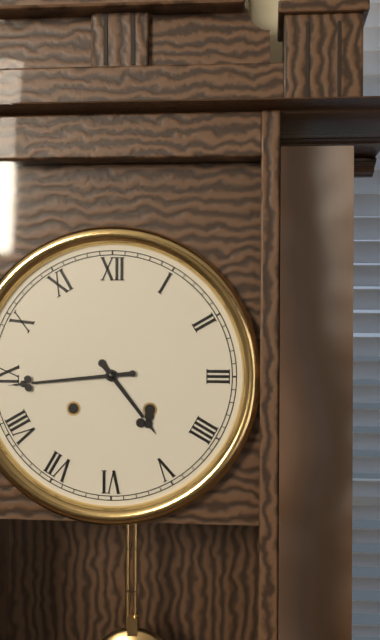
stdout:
4h44
